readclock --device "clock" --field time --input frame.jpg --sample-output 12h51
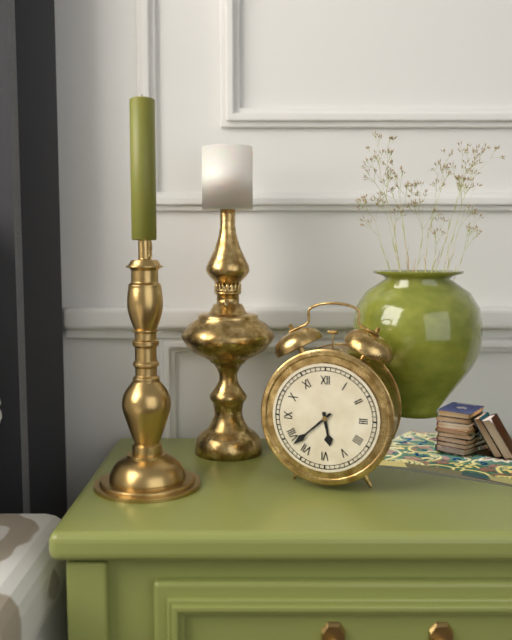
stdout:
5h38
